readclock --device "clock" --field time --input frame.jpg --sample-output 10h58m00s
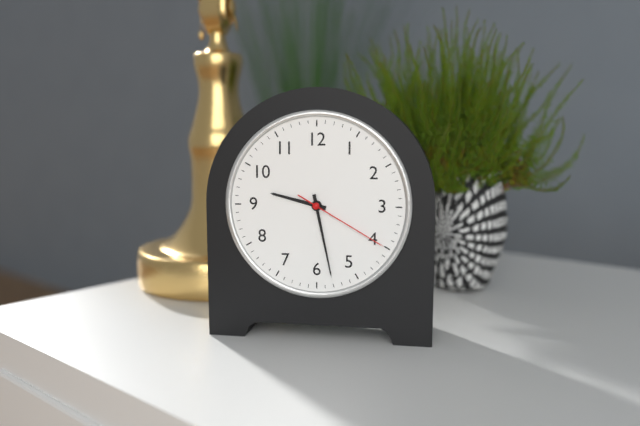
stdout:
9h28m20s
